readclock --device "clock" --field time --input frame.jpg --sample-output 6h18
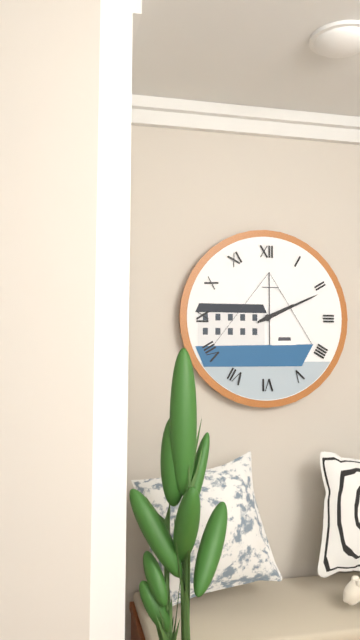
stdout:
2h11
